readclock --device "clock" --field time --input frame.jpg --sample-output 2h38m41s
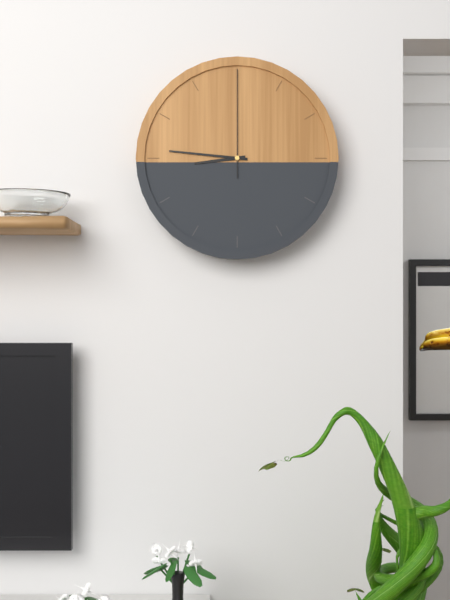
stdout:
8h46m00s
